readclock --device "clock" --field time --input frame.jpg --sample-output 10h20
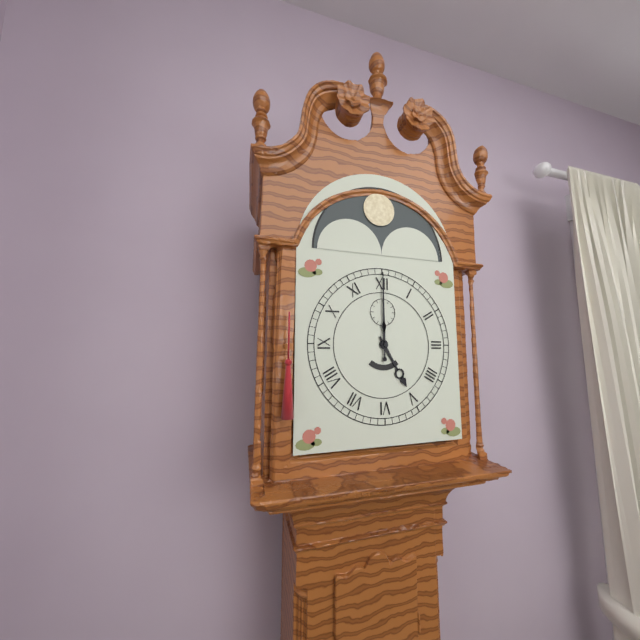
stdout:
5h00
